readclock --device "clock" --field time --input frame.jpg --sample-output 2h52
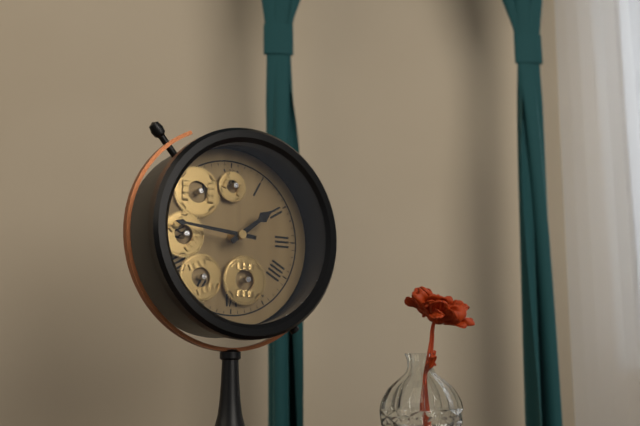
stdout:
1h46
